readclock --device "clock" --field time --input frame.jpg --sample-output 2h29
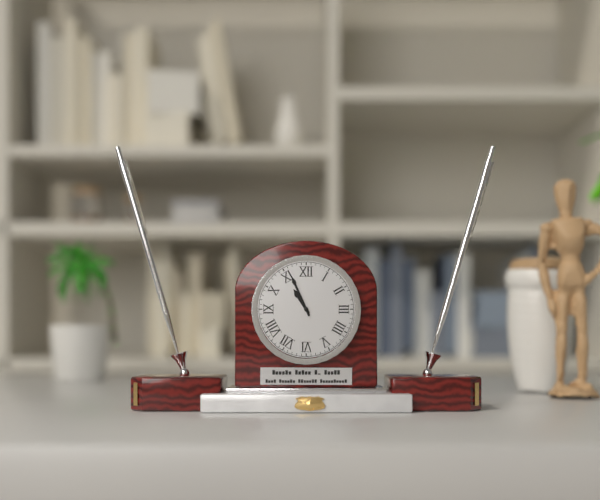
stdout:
10h56
